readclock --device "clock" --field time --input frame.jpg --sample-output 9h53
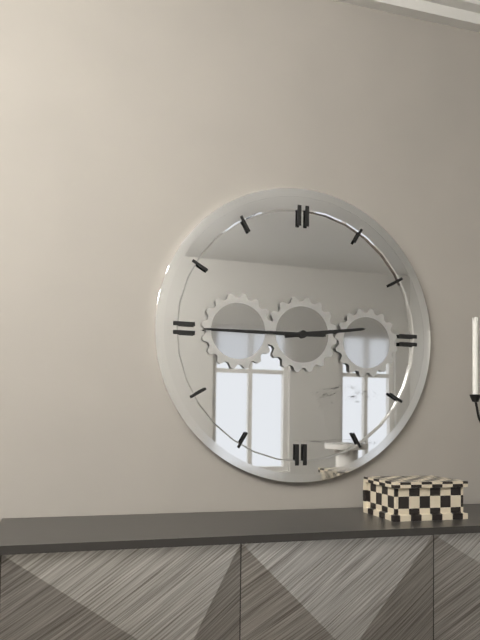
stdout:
2h45
